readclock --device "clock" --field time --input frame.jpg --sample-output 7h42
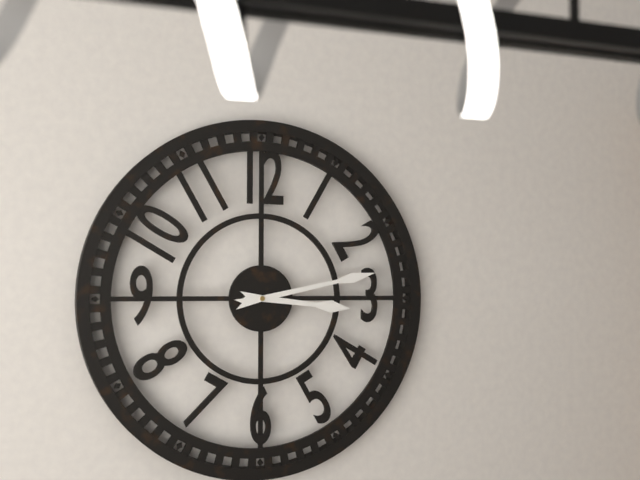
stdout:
3h13
